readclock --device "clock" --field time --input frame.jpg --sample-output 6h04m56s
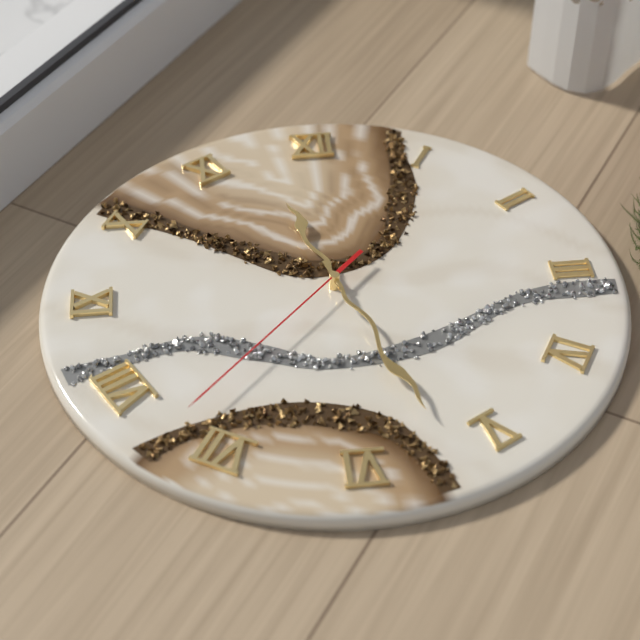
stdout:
11h27m37s
